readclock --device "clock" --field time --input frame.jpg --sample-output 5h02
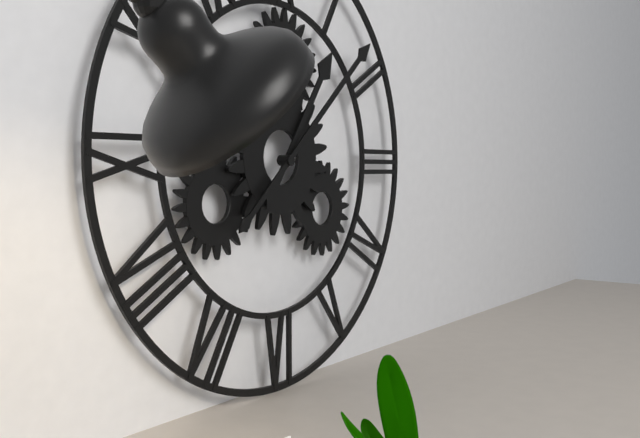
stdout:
1h08
